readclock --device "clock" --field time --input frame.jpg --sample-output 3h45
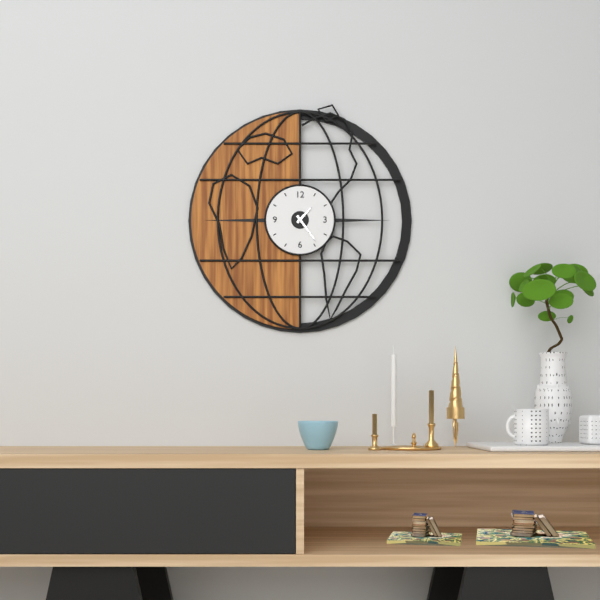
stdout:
1h24
